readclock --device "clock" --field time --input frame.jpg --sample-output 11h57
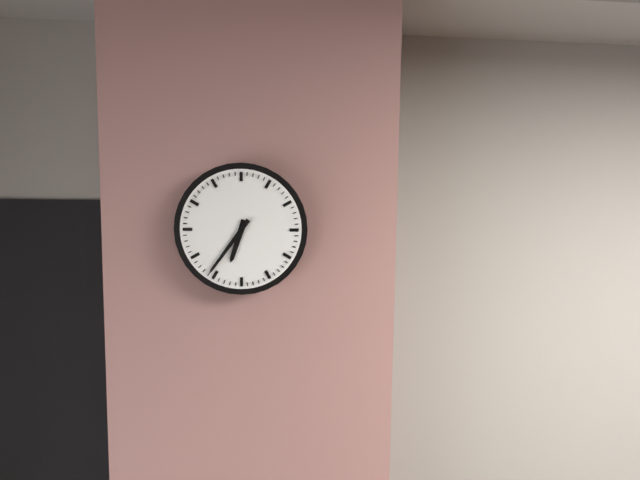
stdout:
6h36
